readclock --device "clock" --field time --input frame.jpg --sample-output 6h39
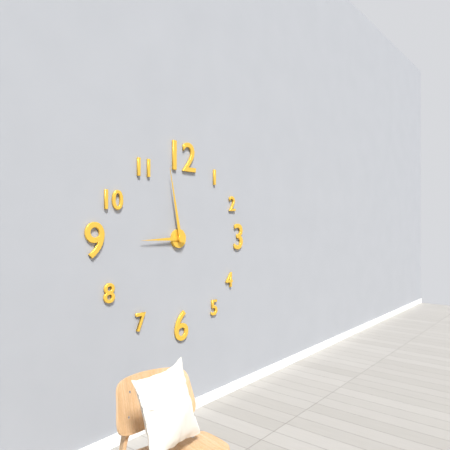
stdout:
8h58
